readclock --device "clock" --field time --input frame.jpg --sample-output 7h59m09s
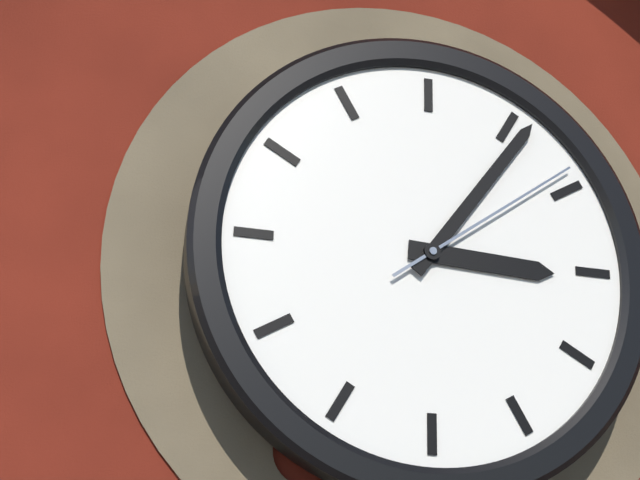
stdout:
3h06m09s
